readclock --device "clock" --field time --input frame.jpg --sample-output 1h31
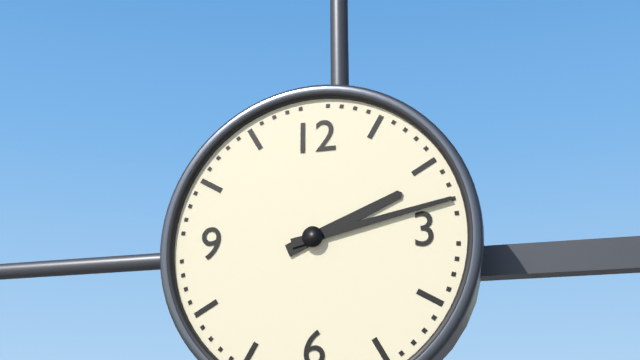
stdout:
2h13
